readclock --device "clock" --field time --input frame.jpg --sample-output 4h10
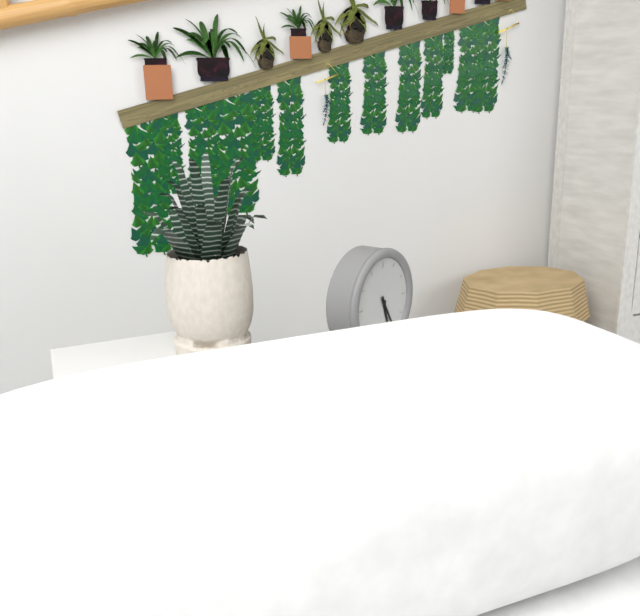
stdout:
5h25
